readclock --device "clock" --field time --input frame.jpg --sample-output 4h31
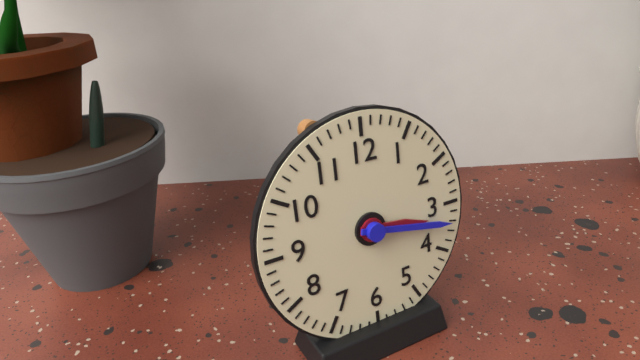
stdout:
3h17
